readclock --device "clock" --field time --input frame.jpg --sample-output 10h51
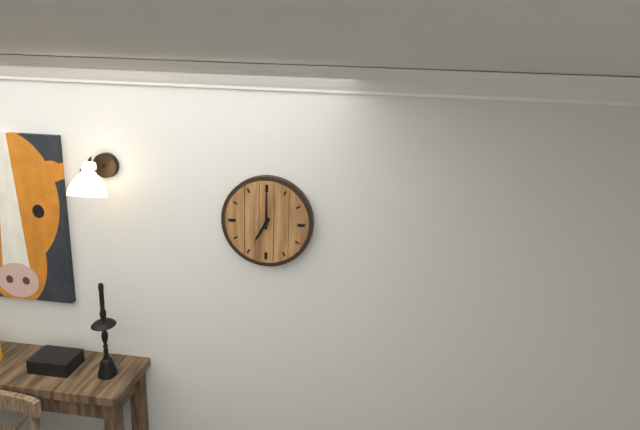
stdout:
7h00
